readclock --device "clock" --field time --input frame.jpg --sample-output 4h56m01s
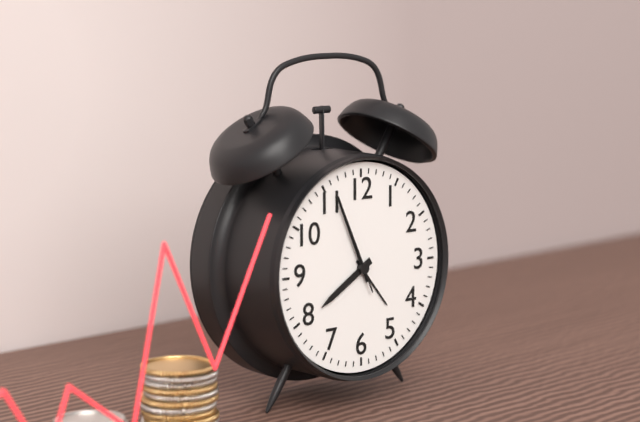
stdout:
7h56m56s
